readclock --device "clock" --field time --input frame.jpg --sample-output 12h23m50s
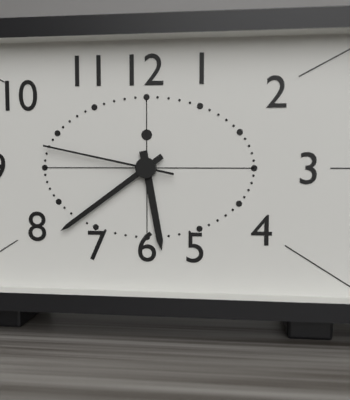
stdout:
5h39m47s
